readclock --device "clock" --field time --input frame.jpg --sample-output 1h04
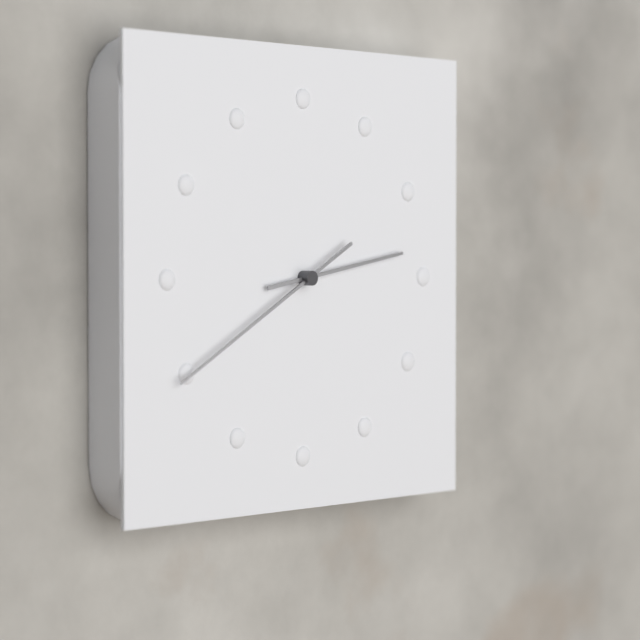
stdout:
2h40
